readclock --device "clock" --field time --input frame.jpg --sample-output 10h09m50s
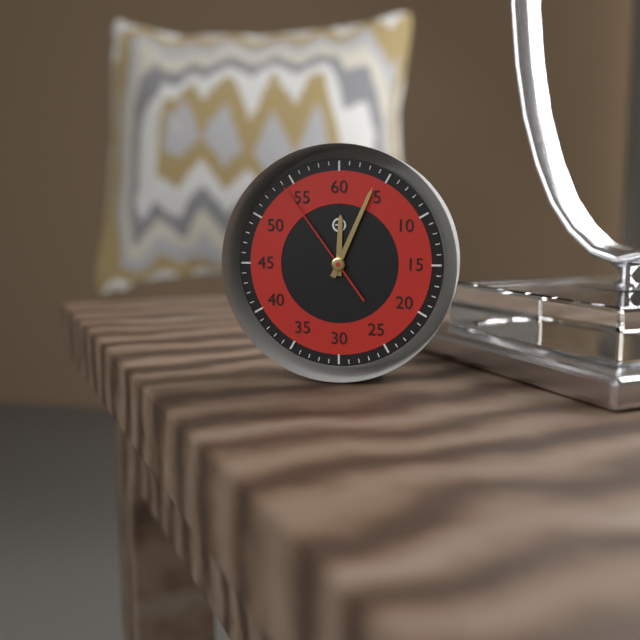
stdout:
12h04m54s
